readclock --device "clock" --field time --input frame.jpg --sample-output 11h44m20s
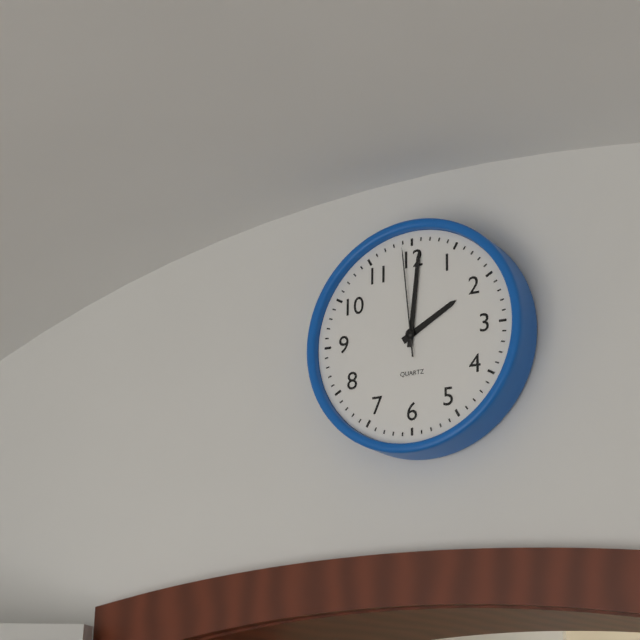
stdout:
2h01m59s
